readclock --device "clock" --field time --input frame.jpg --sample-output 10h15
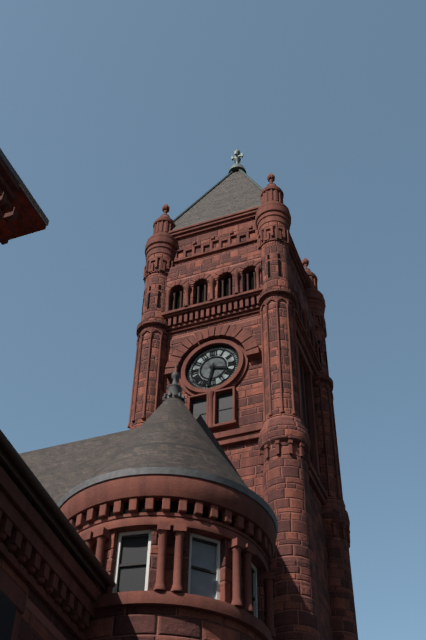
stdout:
3h32
